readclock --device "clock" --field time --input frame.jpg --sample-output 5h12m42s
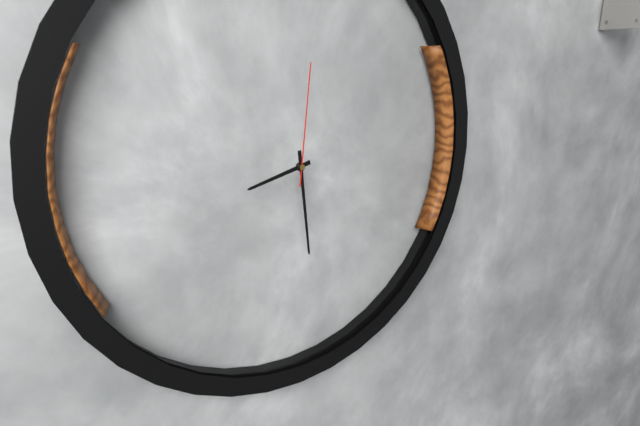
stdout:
8h29m01s
